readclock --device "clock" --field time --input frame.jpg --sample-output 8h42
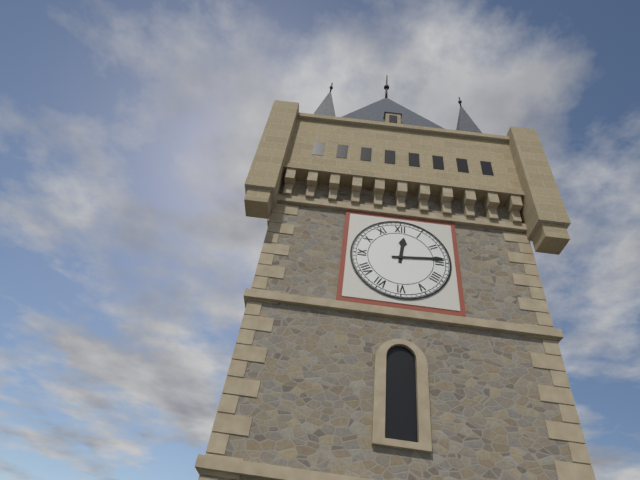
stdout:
12h14
